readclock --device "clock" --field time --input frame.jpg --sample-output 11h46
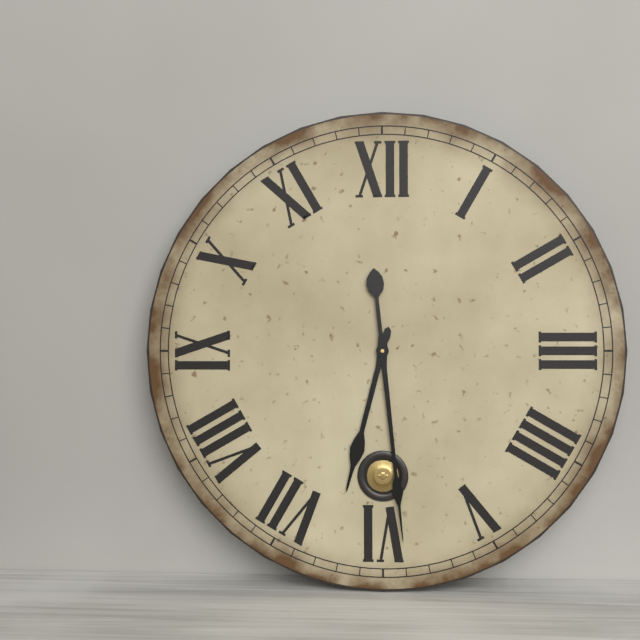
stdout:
6h29
